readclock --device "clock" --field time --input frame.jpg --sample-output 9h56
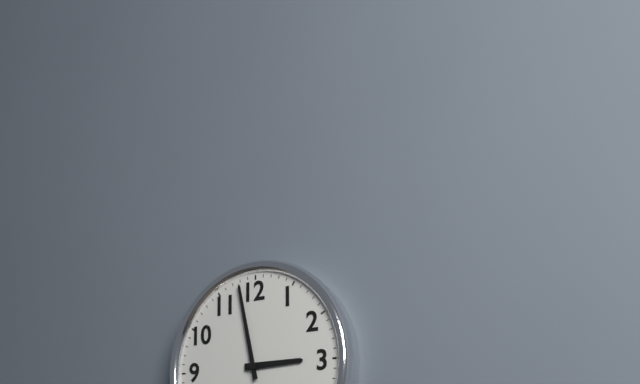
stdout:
2h58
